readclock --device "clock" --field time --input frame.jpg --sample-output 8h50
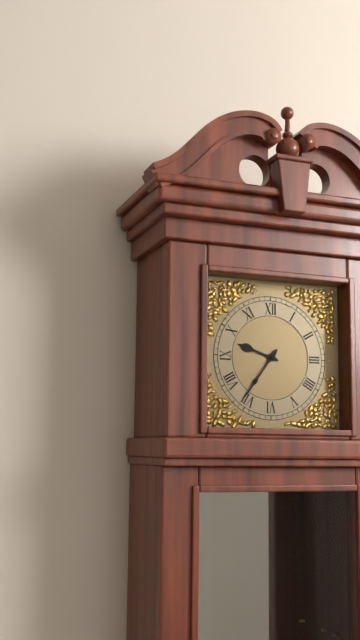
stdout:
9h36
